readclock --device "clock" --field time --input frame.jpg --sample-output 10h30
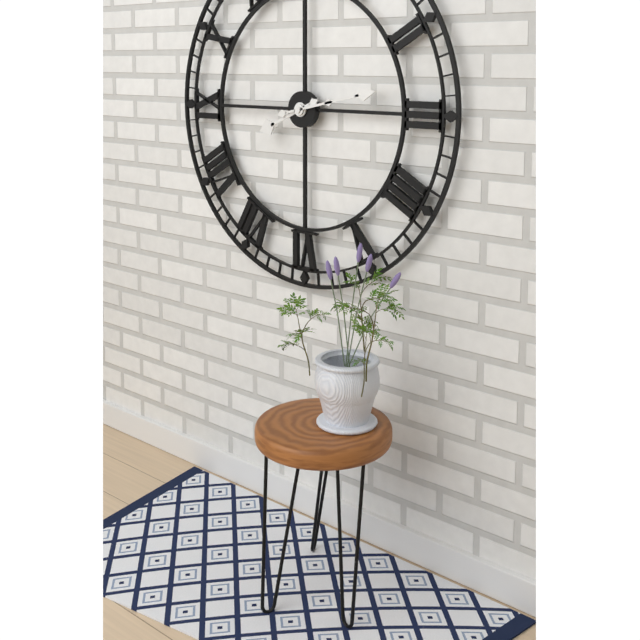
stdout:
8h13
